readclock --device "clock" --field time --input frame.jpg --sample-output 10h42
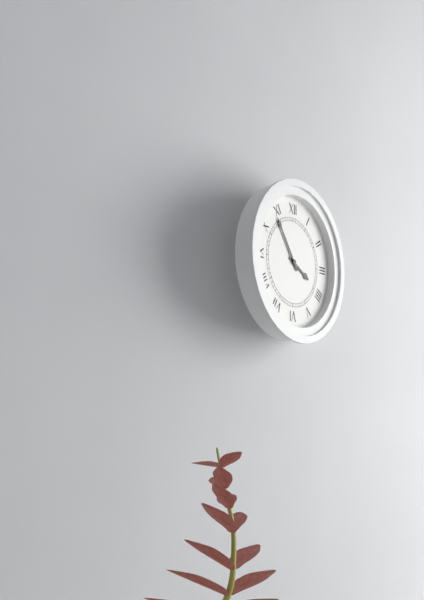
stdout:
3h54
